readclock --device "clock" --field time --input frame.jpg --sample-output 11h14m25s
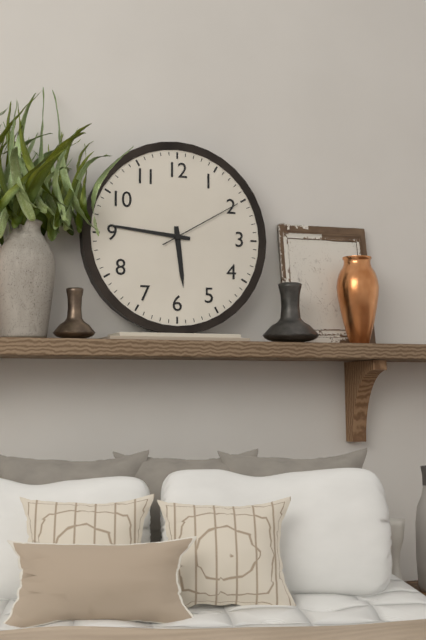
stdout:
5h46m10s
